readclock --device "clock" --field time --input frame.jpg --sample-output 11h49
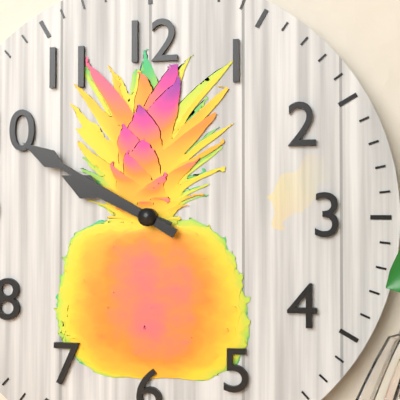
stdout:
9h50
